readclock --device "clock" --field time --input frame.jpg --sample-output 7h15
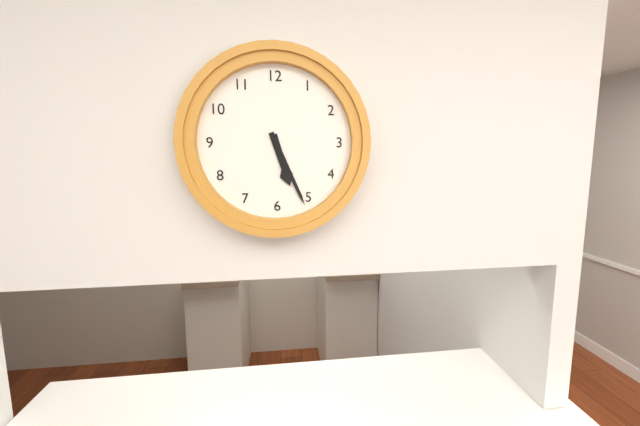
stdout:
5h26
